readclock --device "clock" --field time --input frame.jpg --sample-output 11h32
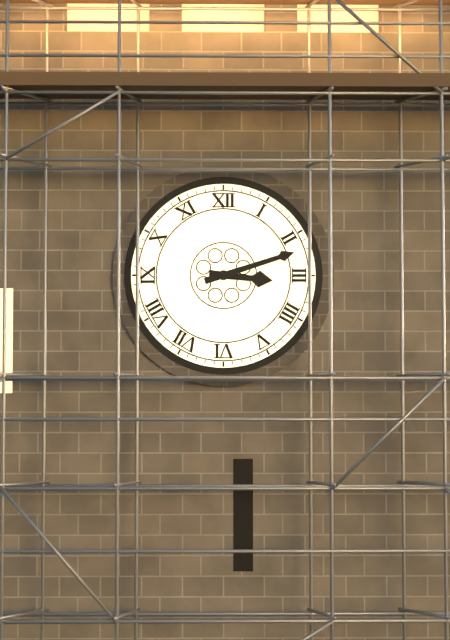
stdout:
3h12
